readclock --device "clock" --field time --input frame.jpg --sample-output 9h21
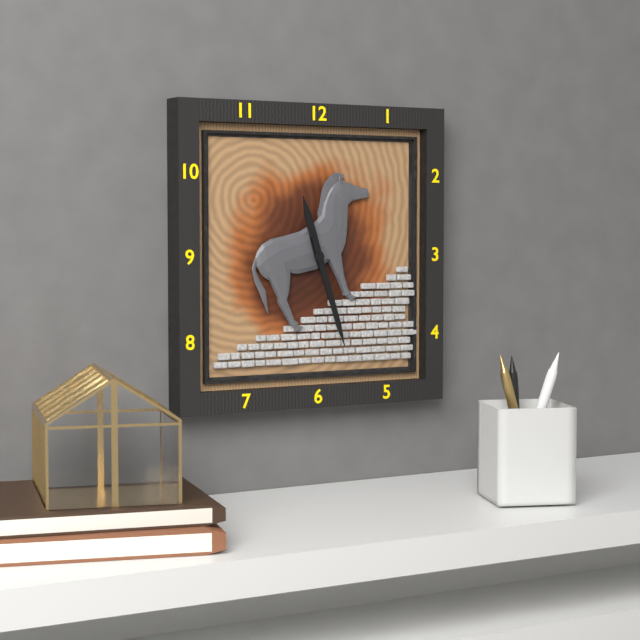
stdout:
11h27
